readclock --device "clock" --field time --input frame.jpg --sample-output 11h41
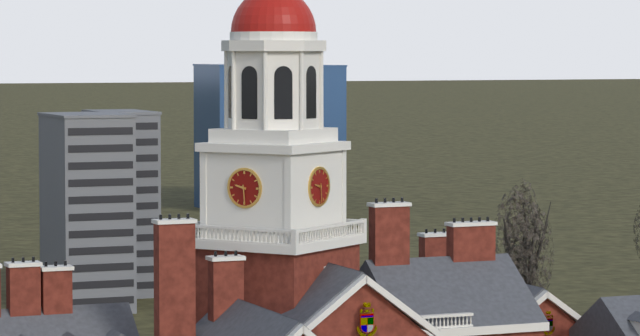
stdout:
9h29
